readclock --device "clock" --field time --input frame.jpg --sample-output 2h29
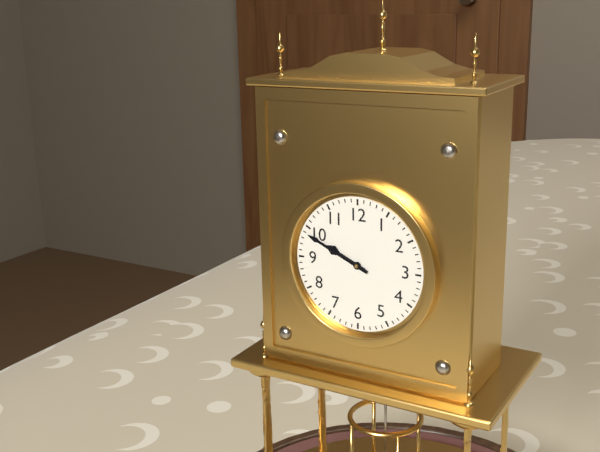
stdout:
9h49
